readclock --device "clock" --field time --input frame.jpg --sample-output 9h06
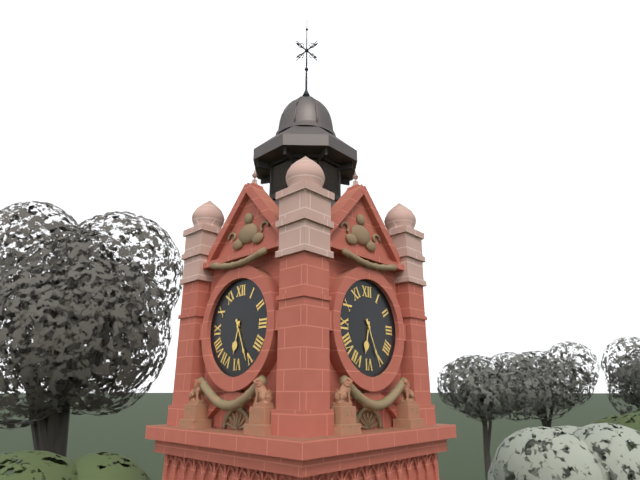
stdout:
6h26
